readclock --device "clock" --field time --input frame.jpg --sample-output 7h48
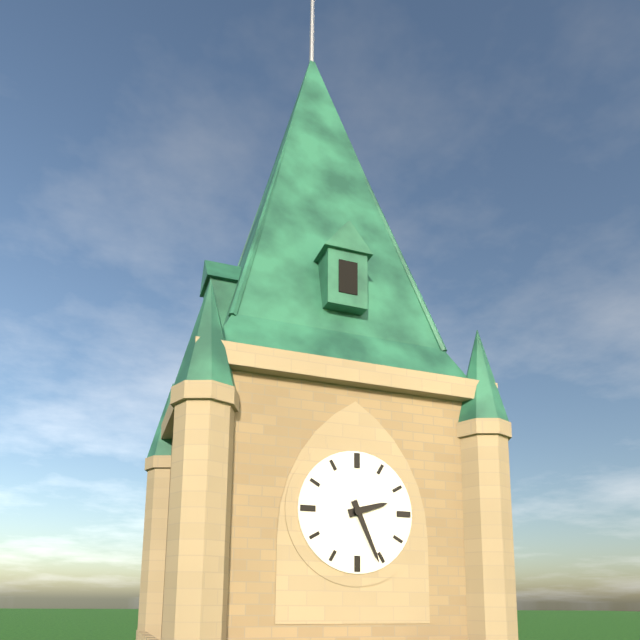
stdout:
2h26
